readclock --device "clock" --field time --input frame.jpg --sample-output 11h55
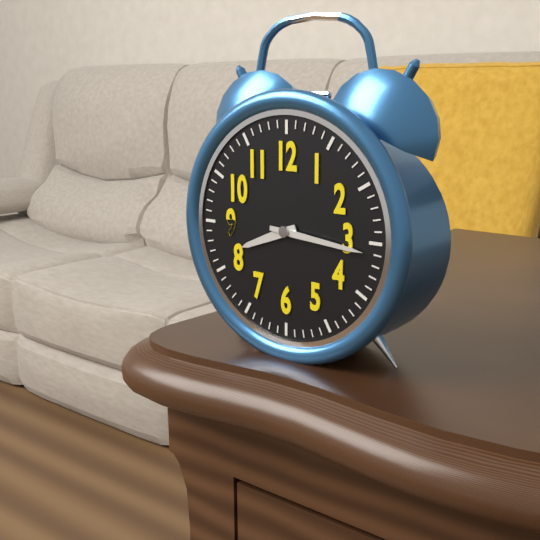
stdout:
8h16
